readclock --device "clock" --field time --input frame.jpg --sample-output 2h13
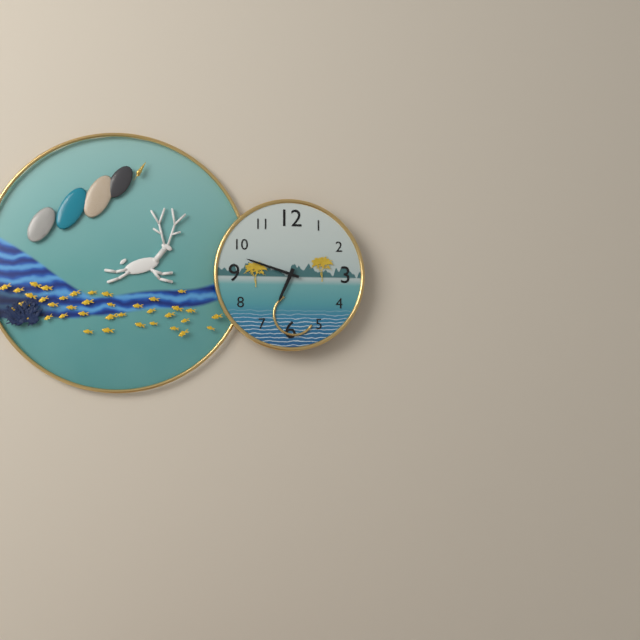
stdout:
6h48
